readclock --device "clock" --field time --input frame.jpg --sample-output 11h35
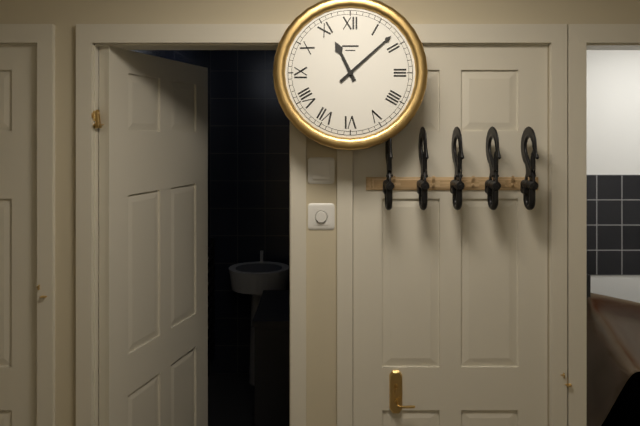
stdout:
11h08
